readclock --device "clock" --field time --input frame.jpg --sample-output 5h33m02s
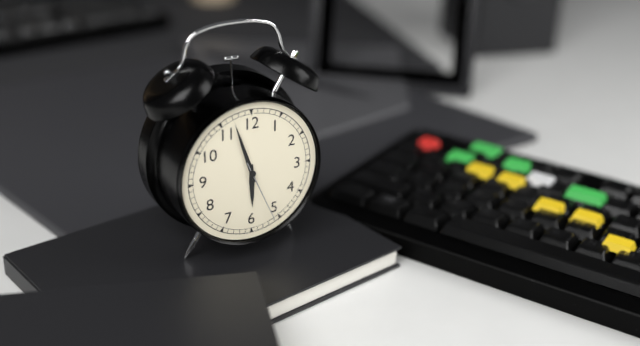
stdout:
5h57m26s
